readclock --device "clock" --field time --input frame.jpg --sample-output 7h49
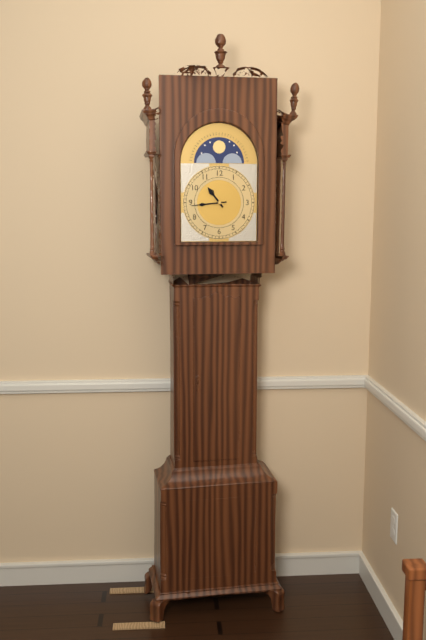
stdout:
10h44
